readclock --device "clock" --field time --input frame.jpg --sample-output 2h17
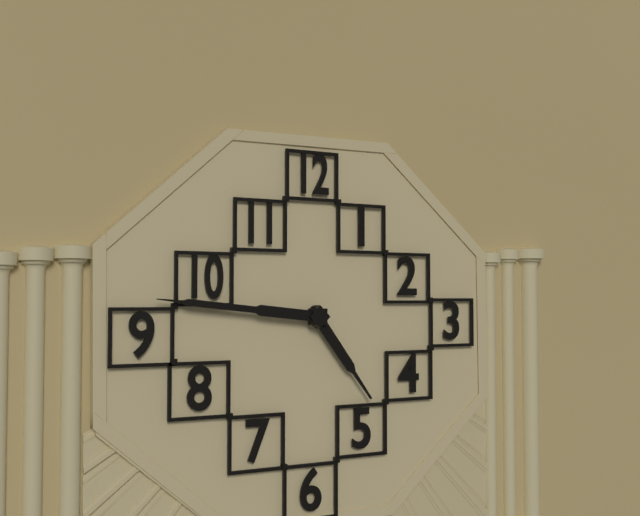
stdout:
4h46
